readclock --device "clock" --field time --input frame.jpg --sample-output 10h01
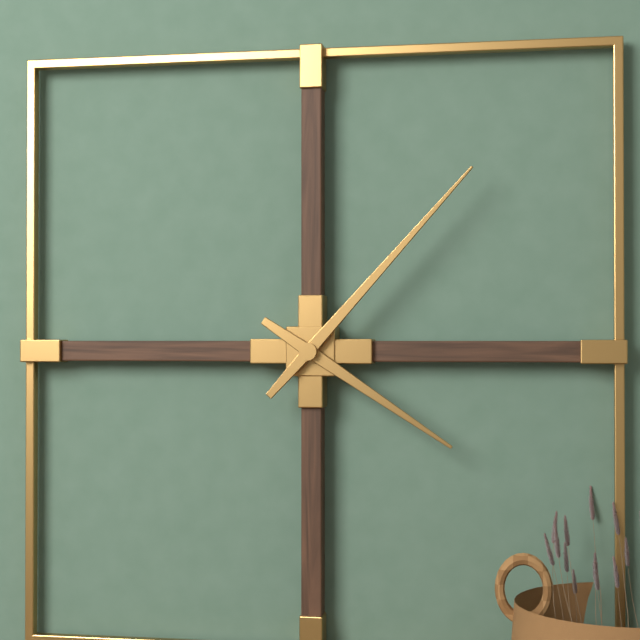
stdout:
4h07
